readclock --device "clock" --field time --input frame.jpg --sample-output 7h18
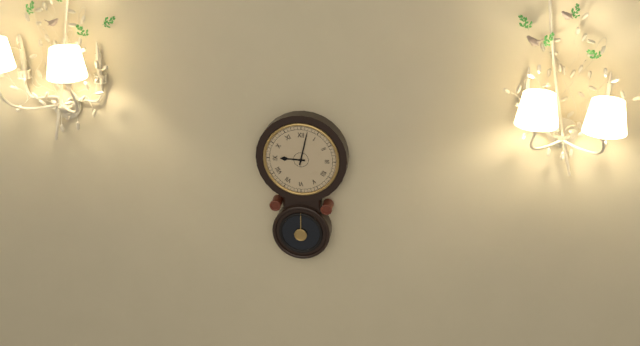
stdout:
9h02
